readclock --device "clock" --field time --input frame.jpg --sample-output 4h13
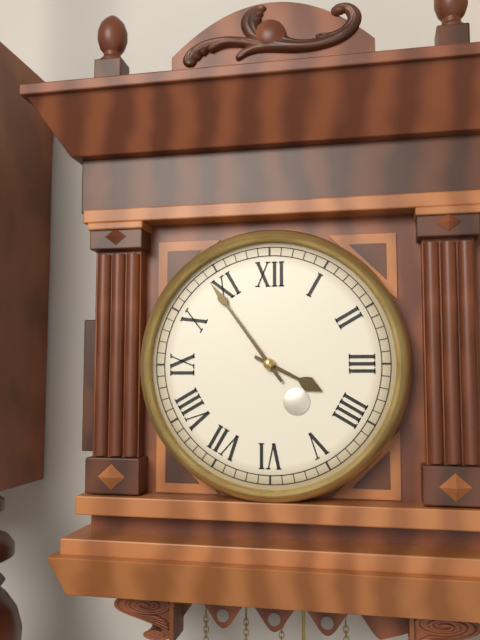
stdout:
3h54
